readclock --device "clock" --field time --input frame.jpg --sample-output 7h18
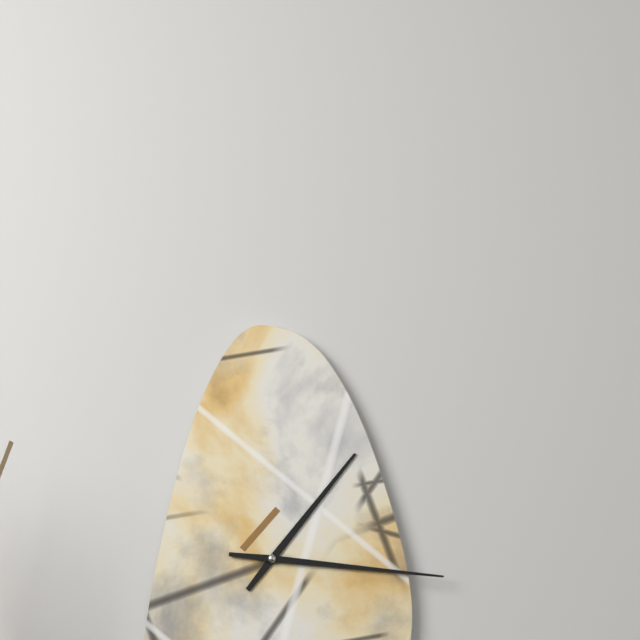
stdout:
1h16
